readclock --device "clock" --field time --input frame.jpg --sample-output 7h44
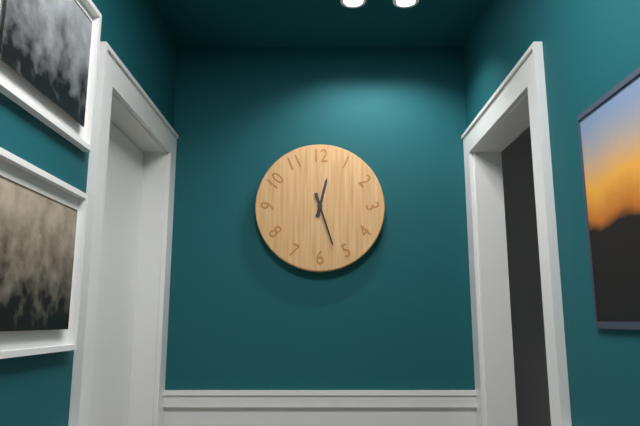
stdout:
12h27
